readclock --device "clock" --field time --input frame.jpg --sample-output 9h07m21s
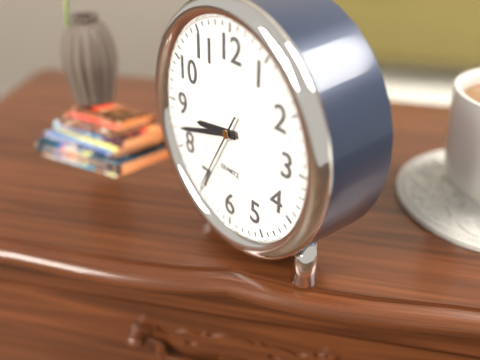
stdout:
8h42m35s
